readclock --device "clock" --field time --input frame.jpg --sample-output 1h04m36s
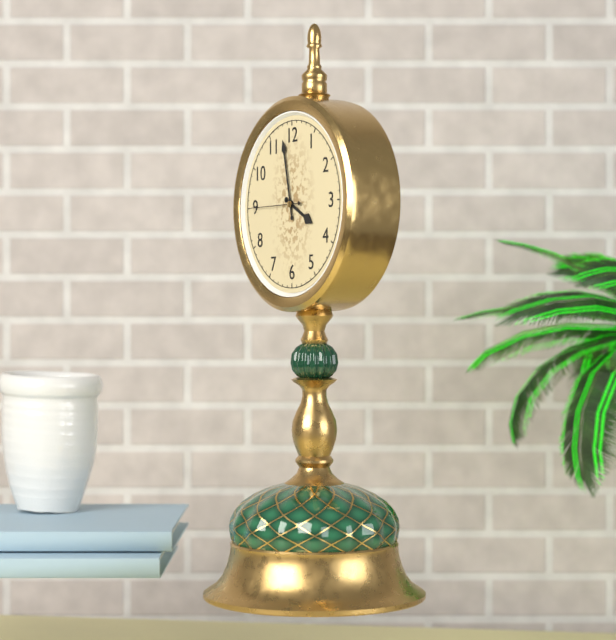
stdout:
3h58m45s
